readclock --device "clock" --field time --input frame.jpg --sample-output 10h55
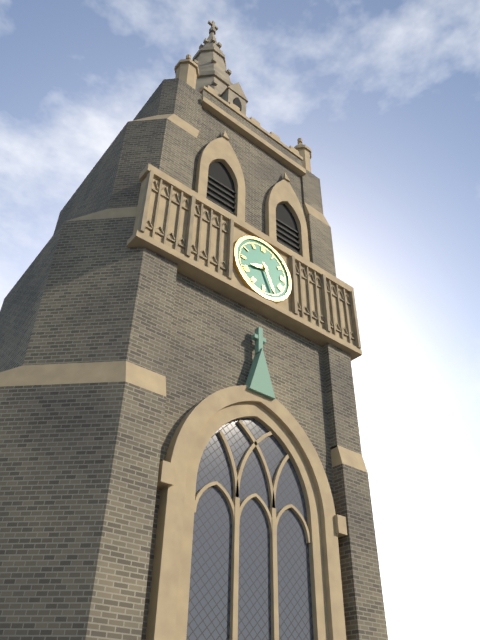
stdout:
8h26
